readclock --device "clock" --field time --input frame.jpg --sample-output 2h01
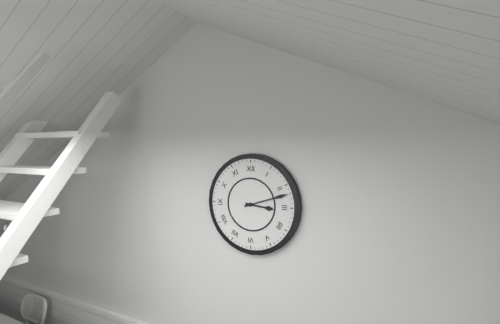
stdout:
3h12
